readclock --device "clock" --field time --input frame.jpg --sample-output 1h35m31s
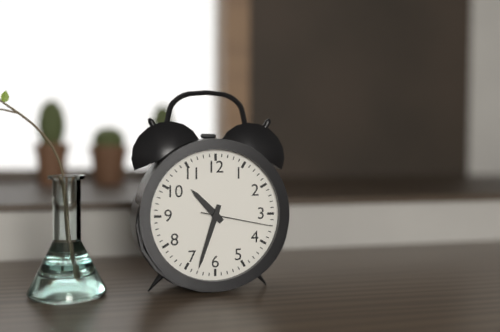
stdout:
10h33m17s
